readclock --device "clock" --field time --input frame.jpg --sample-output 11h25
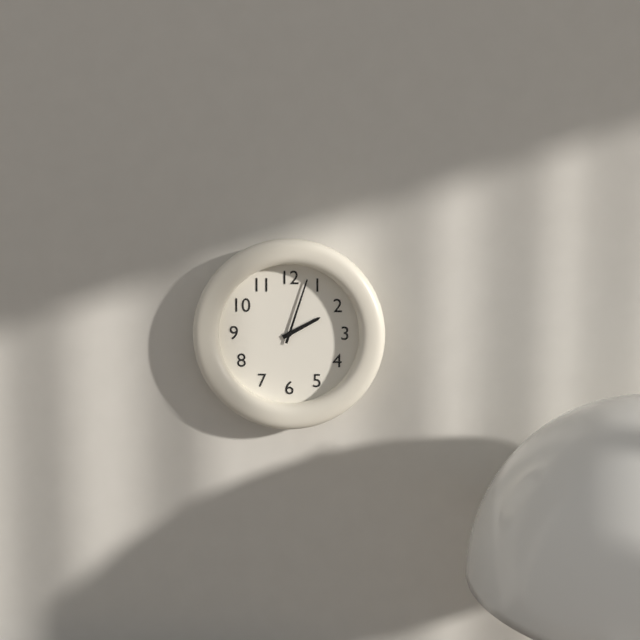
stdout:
2h03
